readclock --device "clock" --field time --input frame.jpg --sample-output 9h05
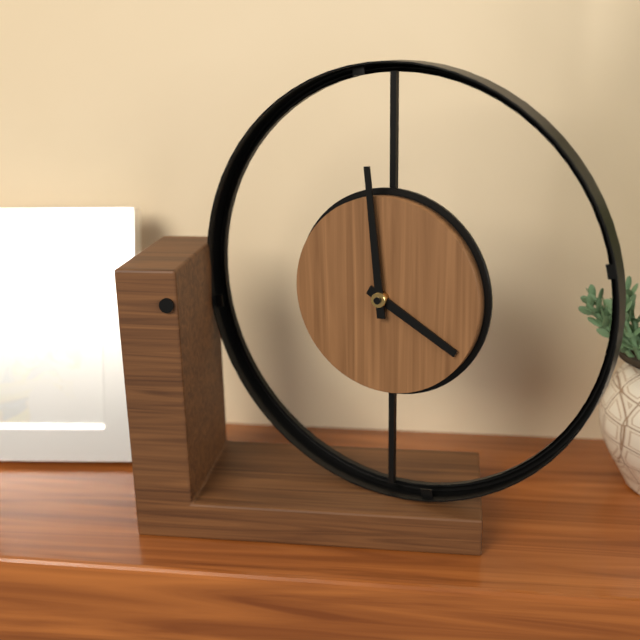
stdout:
3h59
